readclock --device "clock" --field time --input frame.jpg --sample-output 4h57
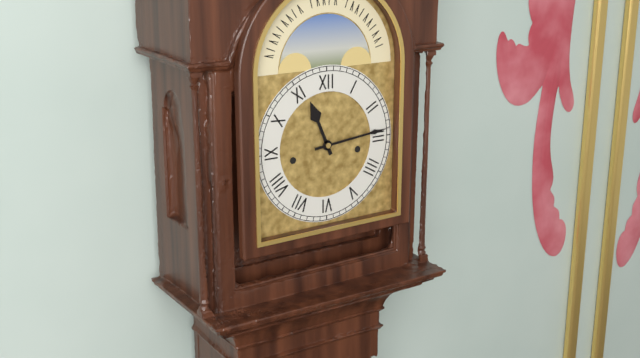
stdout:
11h14
